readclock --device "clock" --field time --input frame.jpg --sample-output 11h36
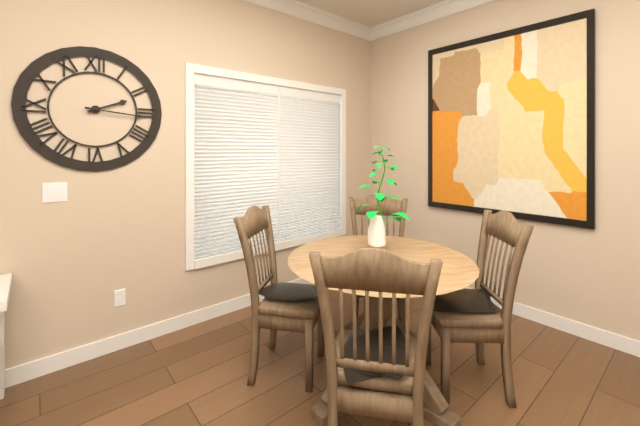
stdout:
2h16
